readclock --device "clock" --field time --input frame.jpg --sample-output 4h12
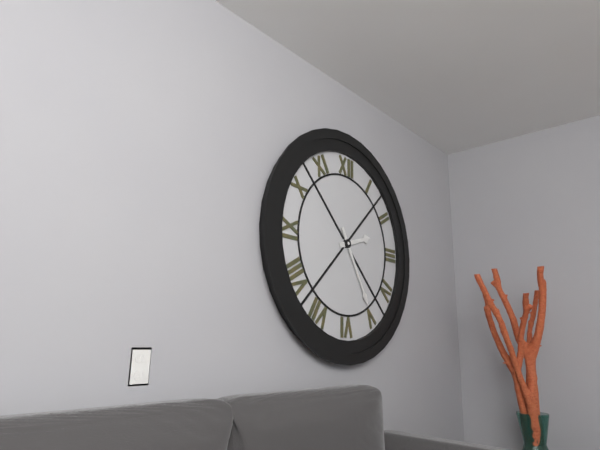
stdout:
2h25
